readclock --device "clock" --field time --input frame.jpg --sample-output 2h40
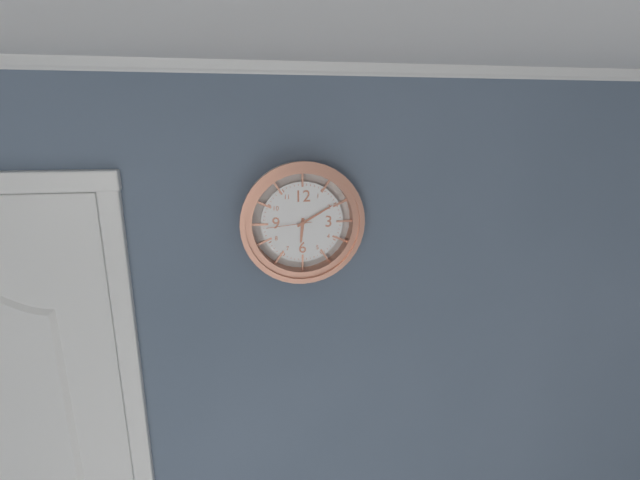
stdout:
6h10
